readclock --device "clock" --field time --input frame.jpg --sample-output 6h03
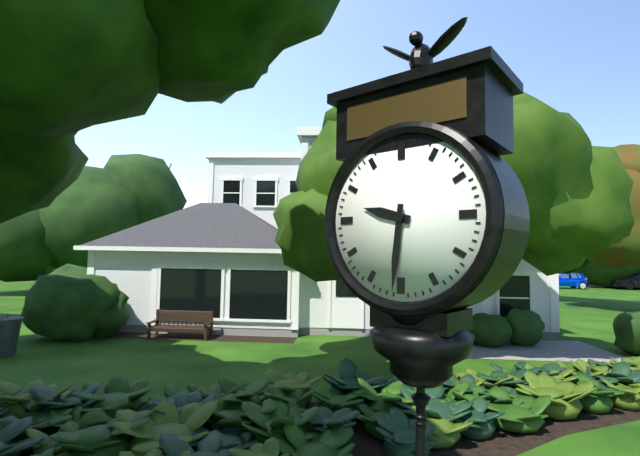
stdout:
9h31
